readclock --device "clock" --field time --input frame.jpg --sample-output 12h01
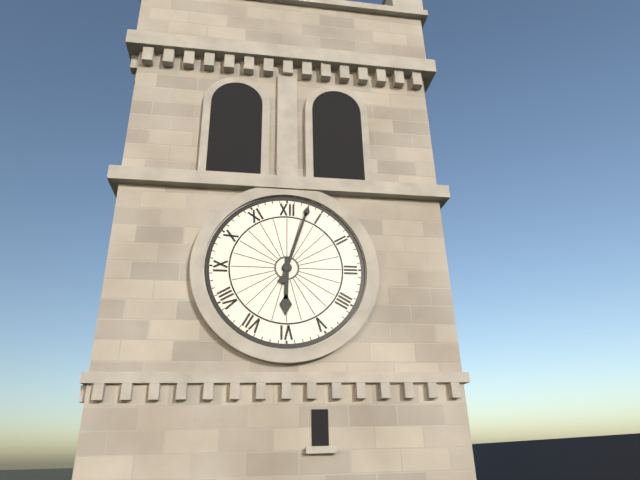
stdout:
6h03
